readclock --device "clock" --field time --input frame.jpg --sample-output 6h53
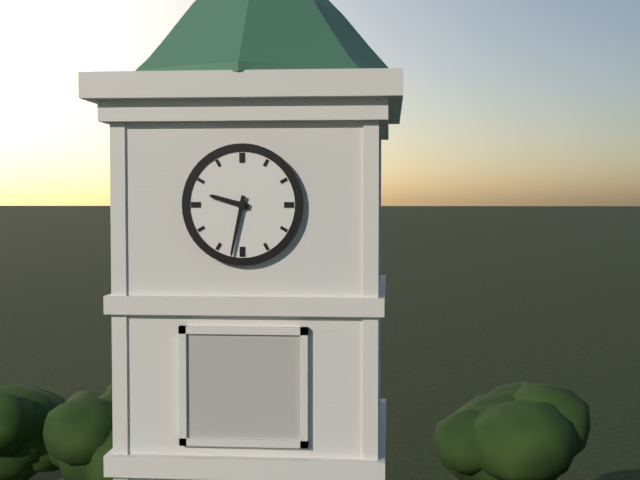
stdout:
9h32
